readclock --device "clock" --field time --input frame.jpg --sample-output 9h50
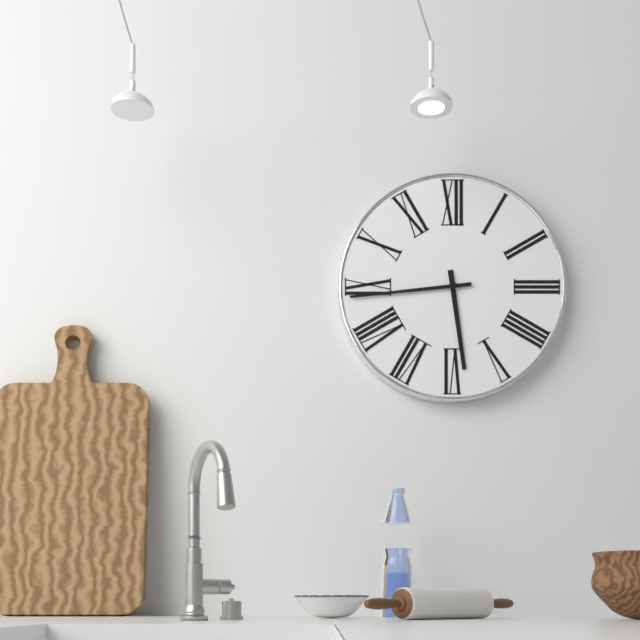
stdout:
5h44
